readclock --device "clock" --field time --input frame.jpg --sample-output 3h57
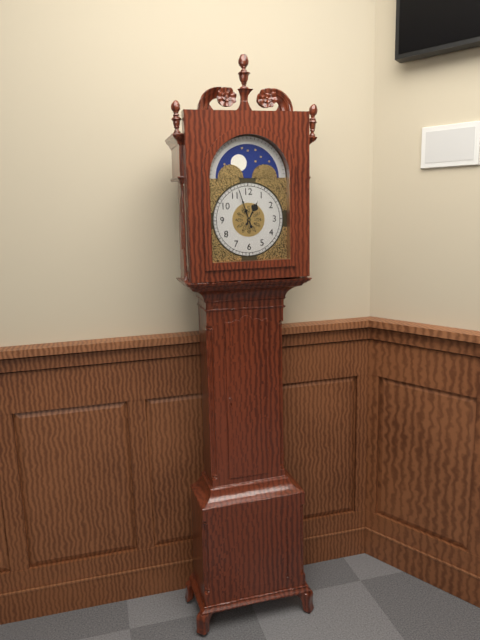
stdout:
12h57
